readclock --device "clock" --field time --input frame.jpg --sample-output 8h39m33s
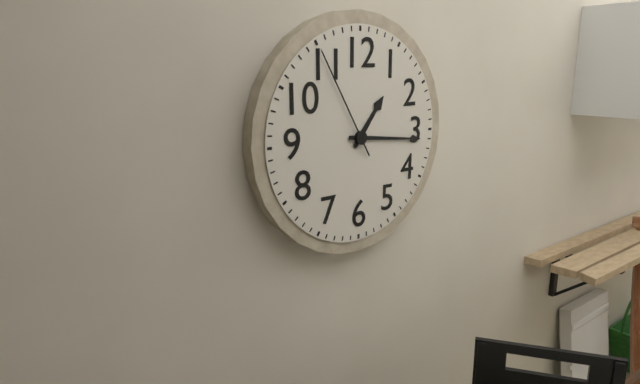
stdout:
1h16m55s
